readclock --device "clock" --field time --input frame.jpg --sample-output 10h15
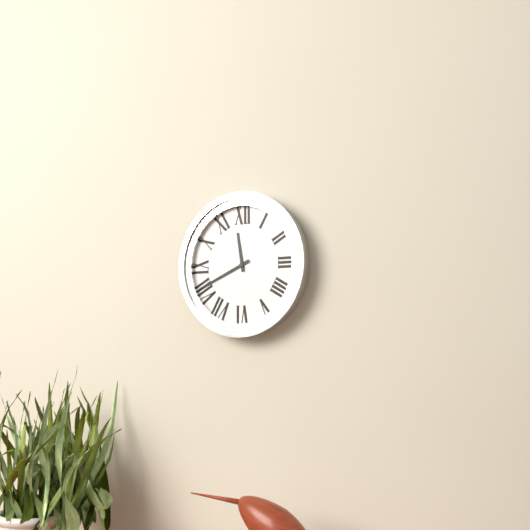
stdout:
11h41
